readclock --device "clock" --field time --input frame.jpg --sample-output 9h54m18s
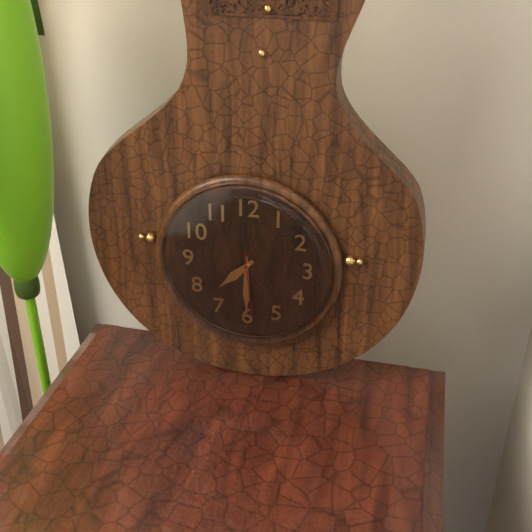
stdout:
7h30m29s
